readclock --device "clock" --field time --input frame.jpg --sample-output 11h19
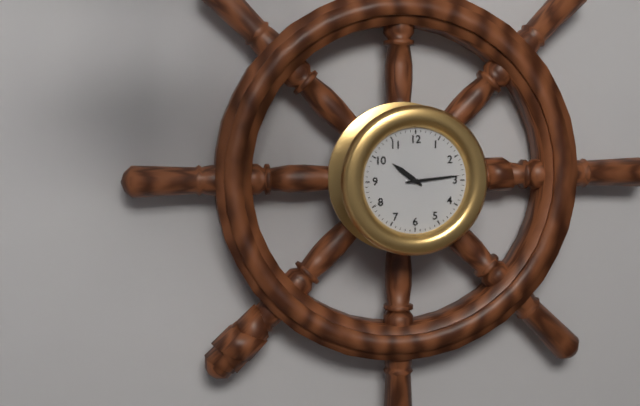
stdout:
10h14
